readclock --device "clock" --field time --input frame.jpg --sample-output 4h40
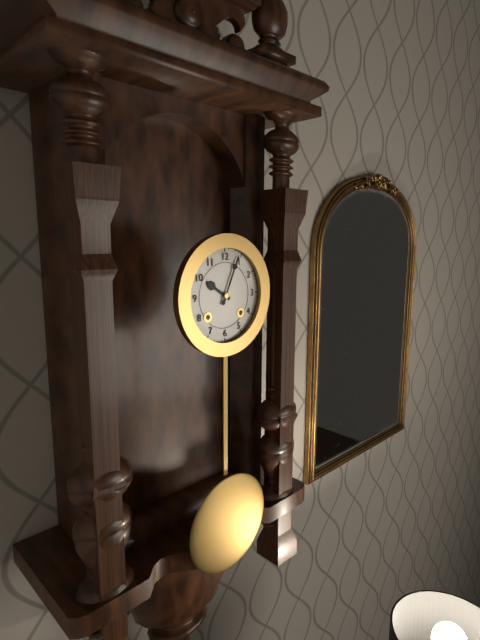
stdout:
10h04
